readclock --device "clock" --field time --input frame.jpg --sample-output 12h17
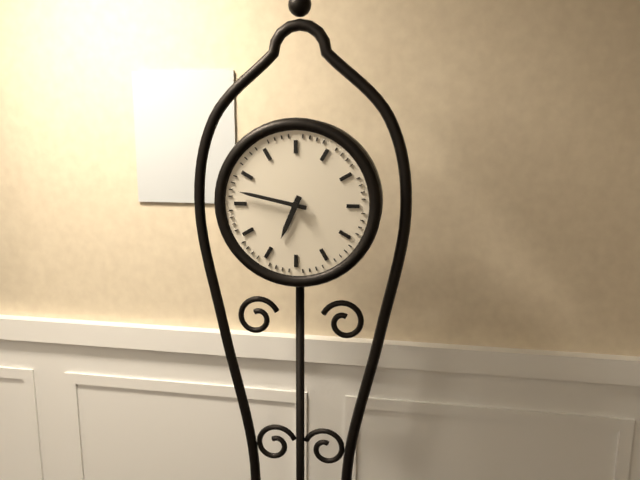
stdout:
6h47
